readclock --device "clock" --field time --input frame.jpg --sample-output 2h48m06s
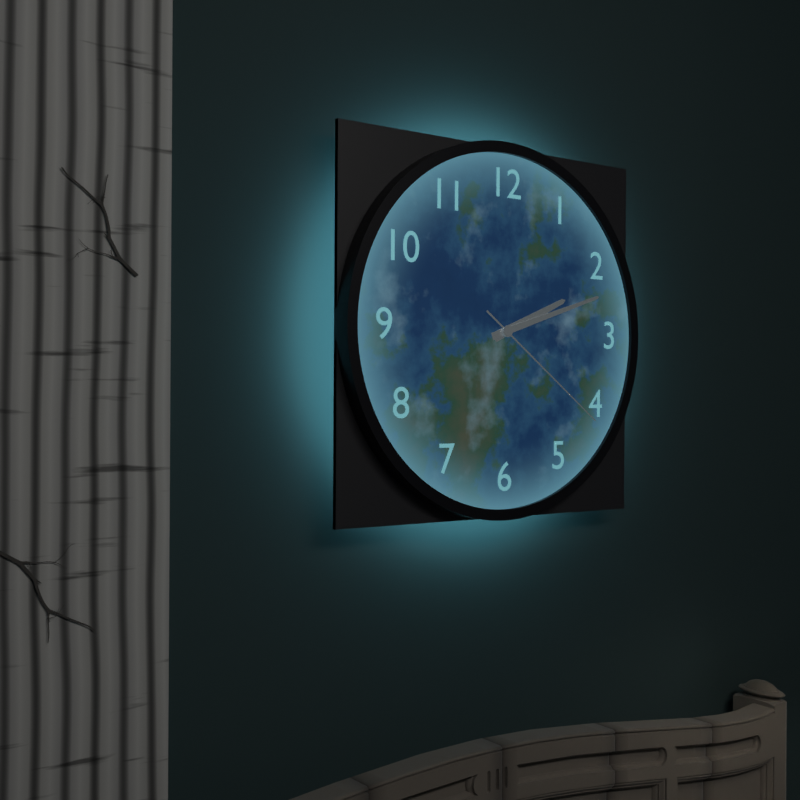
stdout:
2h12m21s
